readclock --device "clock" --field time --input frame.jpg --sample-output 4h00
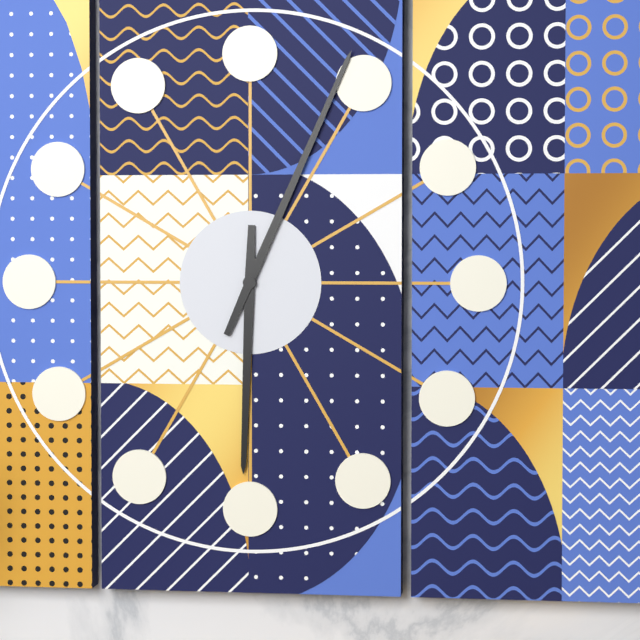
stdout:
6h04
